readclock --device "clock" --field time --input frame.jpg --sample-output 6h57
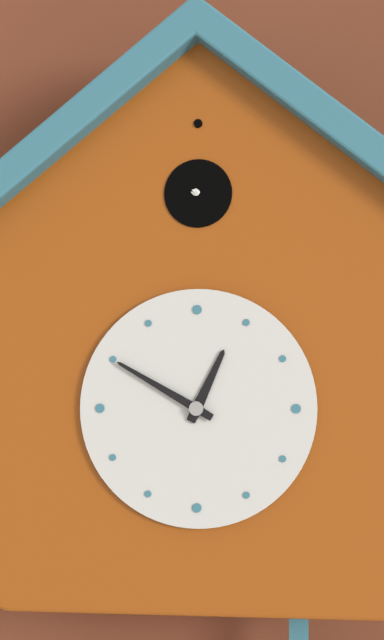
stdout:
12h50
